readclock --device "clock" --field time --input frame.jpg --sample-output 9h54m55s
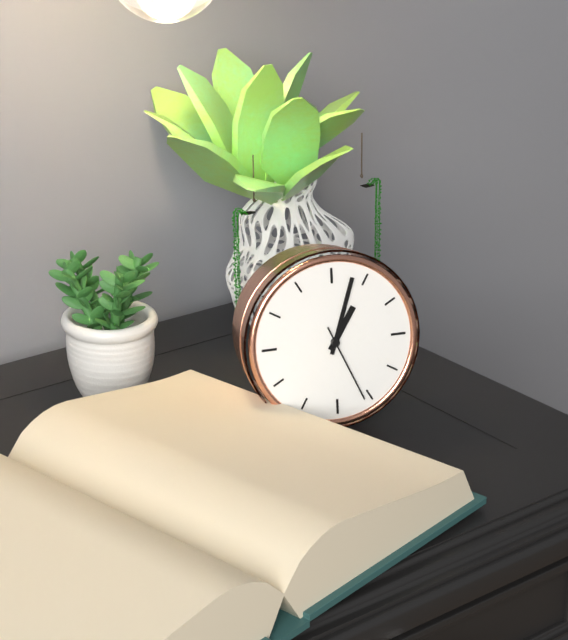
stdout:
1h03m26s
